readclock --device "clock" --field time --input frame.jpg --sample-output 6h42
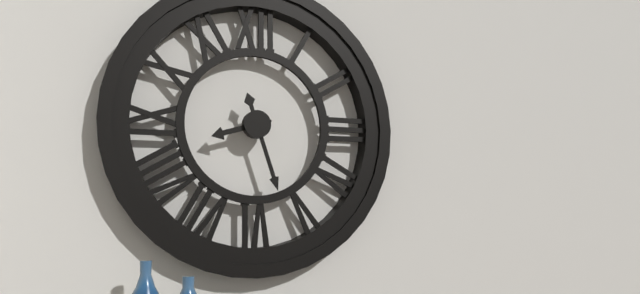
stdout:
8h27
